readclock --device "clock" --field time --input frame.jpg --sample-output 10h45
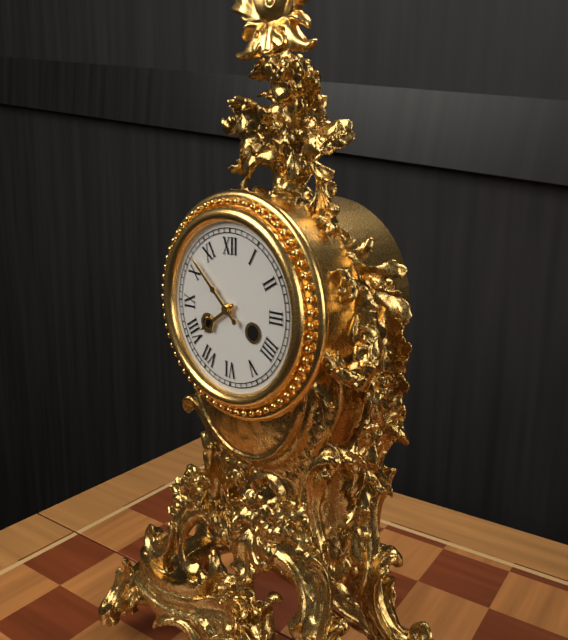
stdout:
7h52
